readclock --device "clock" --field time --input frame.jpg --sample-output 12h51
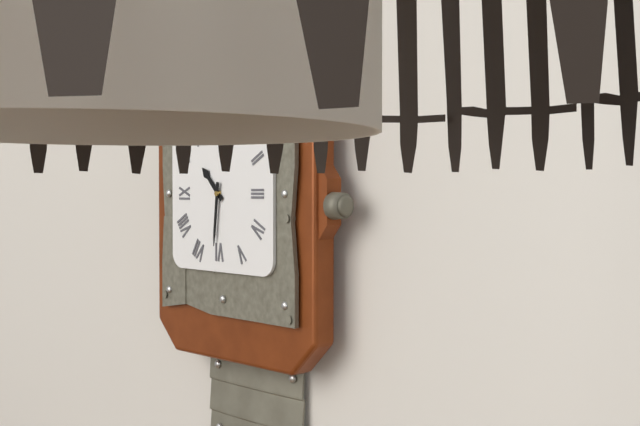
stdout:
10h31
